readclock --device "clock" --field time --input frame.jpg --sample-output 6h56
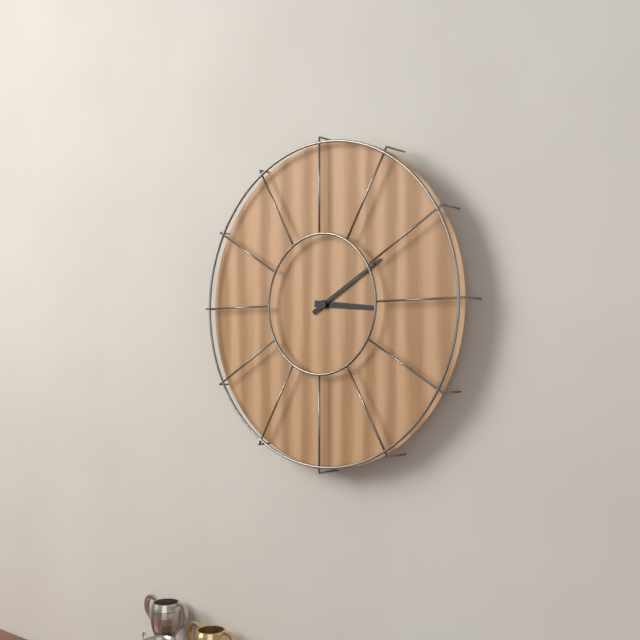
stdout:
3h10
